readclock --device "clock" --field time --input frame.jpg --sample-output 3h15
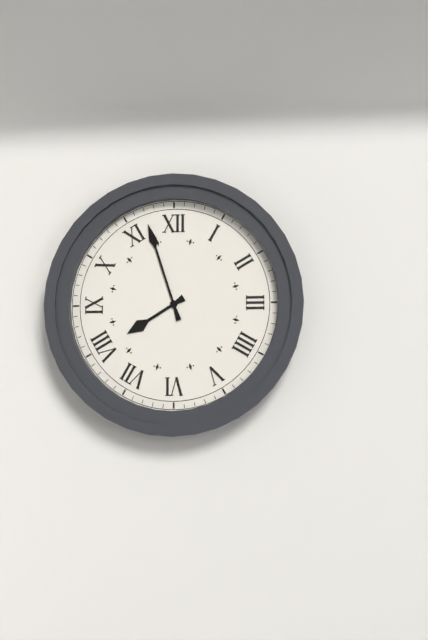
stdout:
7h57
